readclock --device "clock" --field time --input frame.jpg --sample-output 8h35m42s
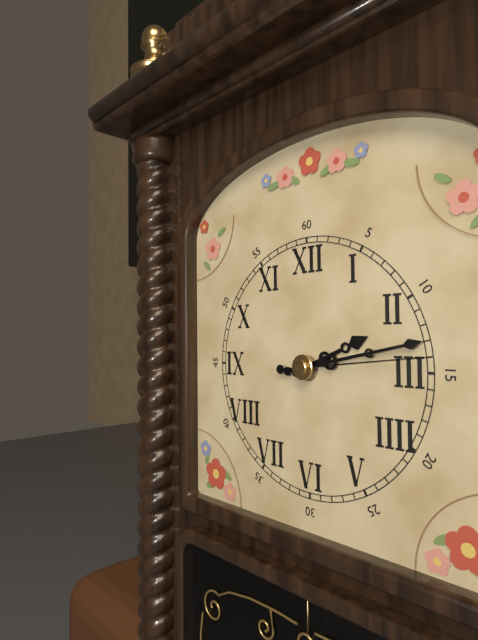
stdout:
2h13m14s
